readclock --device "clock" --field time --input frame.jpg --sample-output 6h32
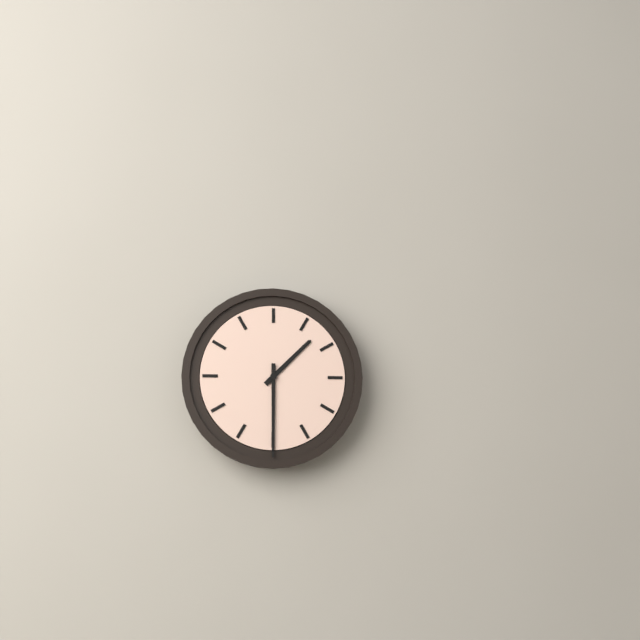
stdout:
1h30
